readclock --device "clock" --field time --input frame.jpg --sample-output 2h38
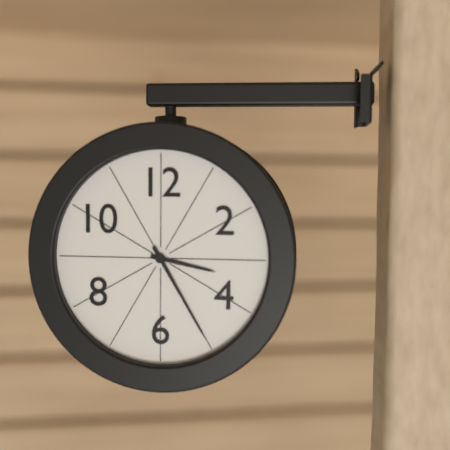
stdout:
3h25
